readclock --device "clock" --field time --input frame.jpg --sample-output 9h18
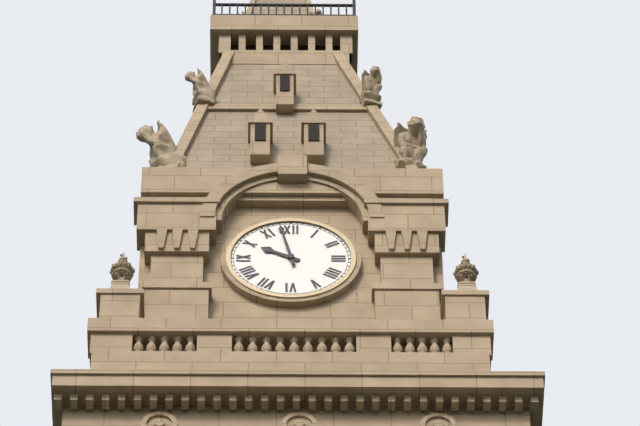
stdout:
9h58
